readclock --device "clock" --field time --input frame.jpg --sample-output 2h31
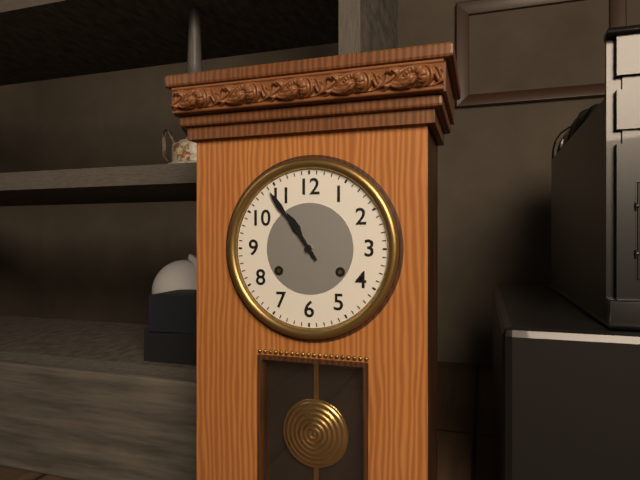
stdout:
10h54
